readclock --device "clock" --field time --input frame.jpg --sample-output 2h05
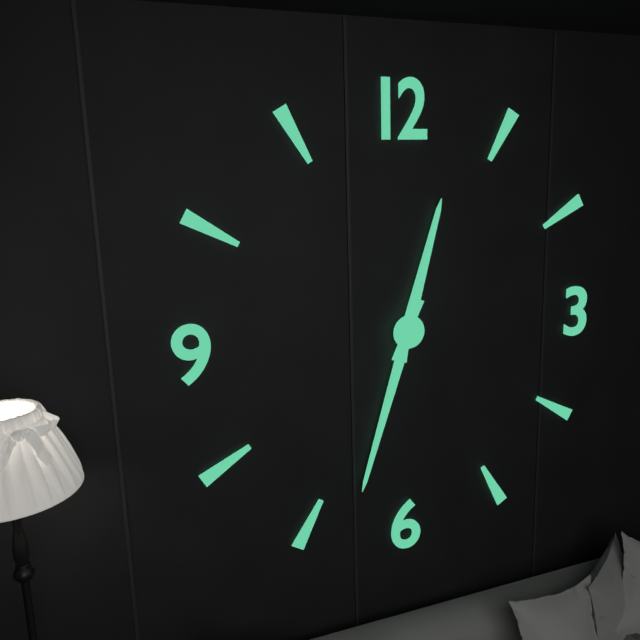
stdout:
12h33
